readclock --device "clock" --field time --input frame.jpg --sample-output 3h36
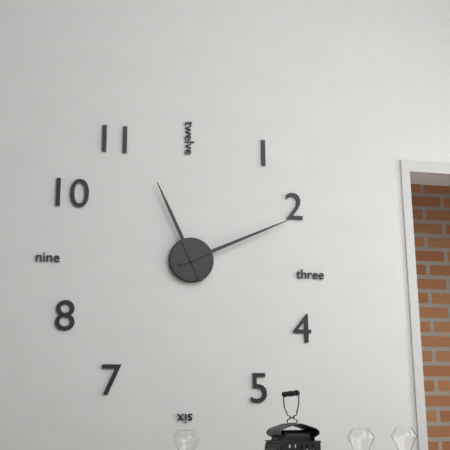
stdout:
11h11
